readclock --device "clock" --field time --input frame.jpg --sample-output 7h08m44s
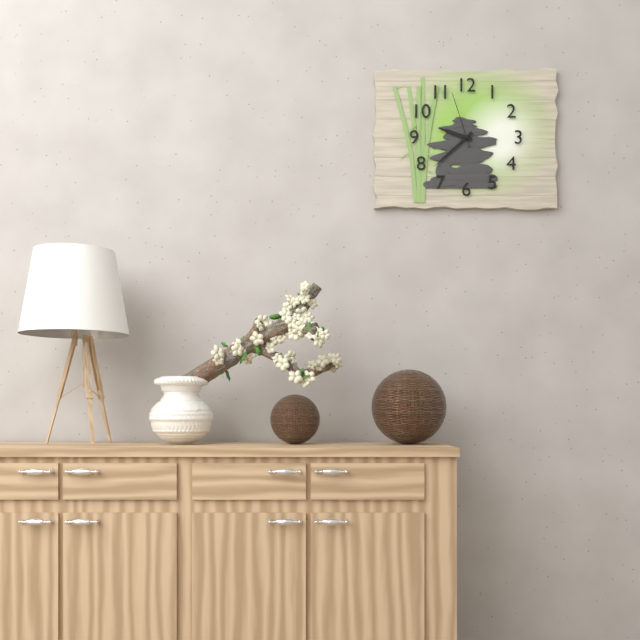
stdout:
9h38m57s
